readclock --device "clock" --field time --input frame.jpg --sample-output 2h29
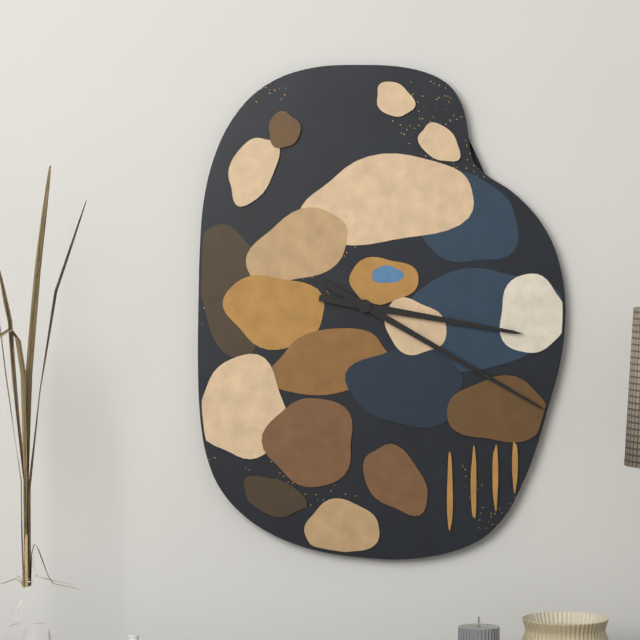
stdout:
3h20
